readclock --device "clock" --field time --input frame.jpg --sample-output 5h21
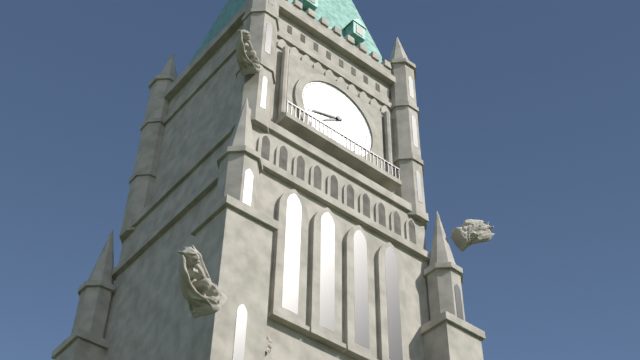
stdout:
7h42
